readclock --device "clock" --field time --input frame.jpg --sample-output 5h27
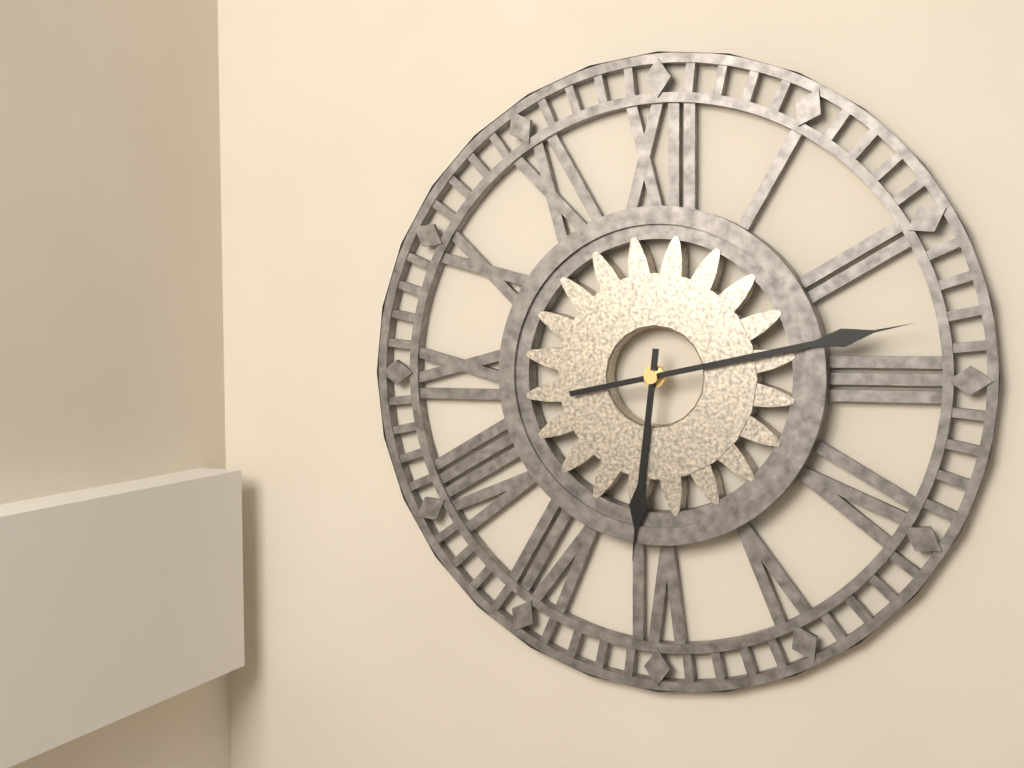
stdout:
6h13
